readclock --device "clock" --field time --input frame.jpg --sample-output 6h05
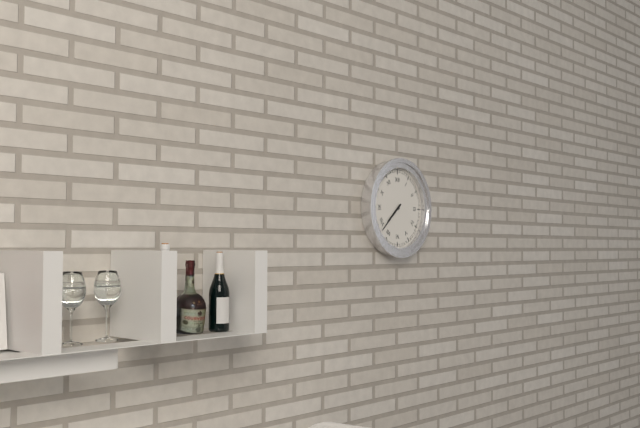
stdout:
7h38
